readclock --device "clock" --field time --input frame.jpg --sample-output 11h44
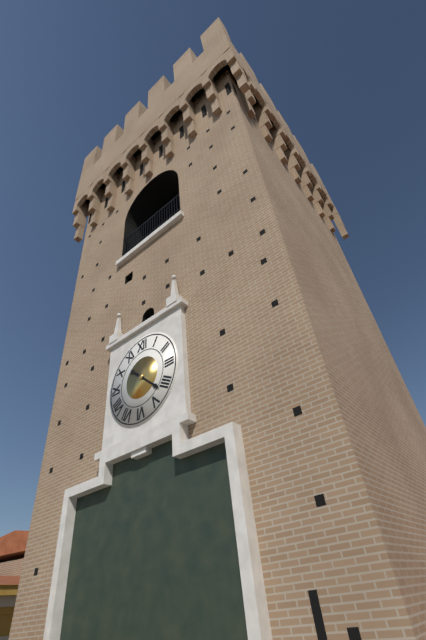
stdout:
10h22
